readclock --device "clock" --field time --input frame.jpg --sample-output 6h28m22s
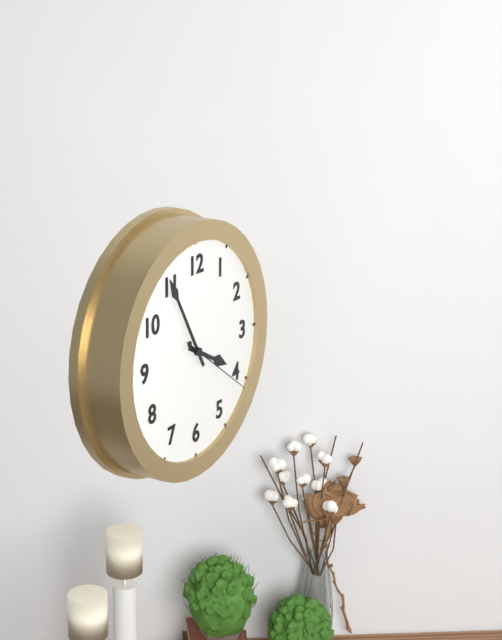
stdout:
3h55m21s
